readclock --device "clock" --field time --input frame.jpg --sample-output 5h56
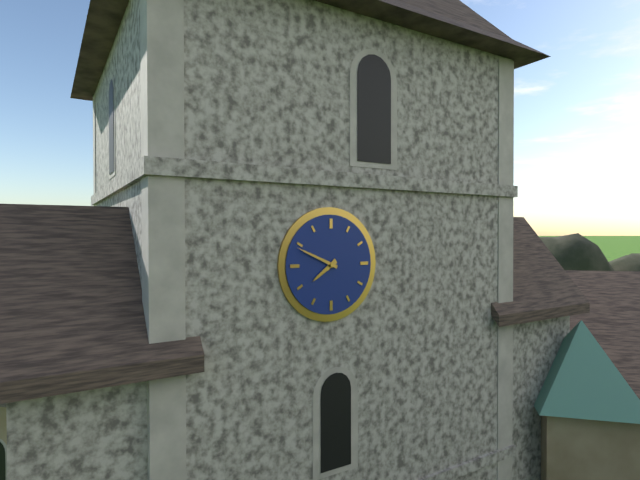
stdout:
7h49
